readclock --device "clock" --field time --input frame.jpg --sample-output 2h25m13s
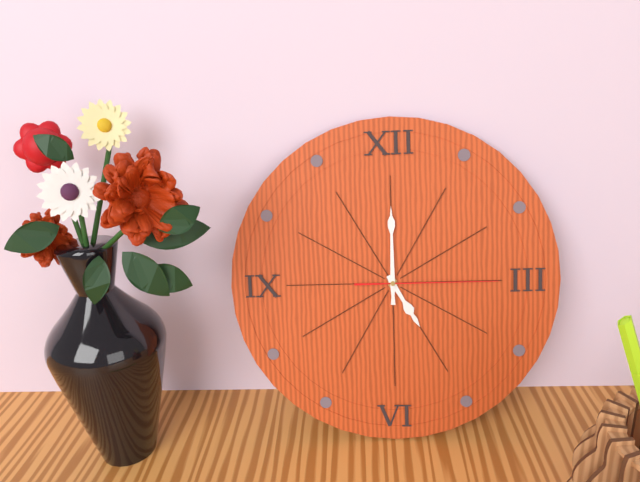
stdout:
5h00m15s
